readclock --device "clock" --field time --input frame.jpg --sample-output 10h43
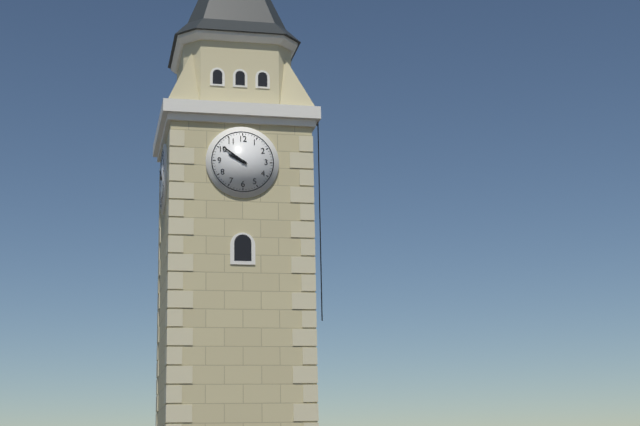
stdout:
9h51
